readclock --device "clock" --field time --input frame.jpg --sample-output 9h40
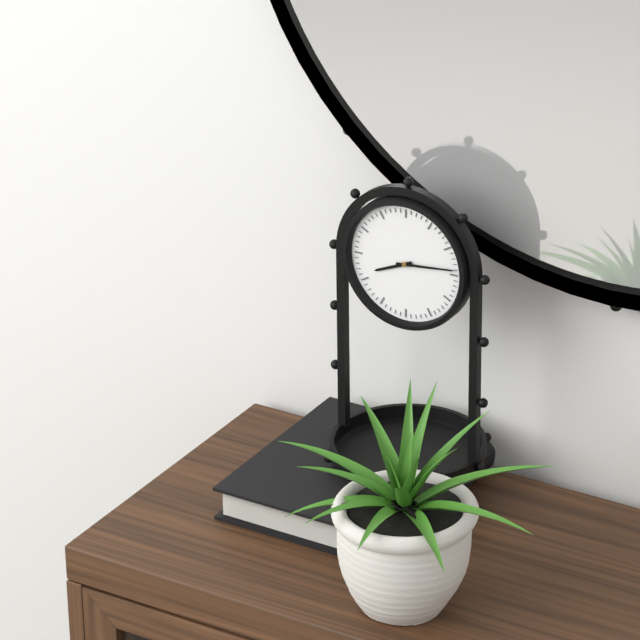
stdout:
8h14
